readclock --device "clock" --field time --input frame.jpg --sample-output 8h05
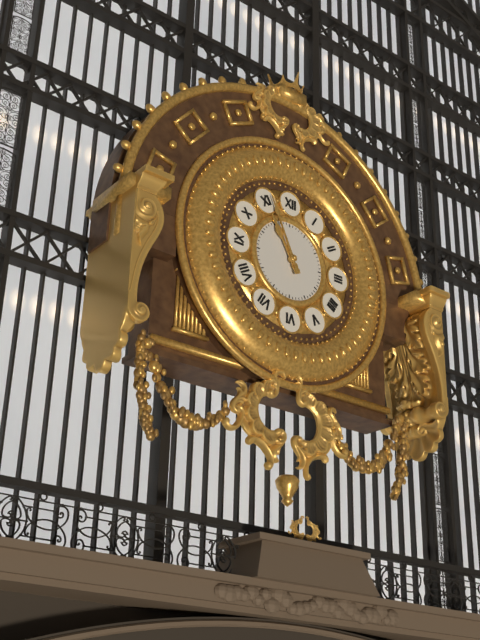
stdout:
10h56
